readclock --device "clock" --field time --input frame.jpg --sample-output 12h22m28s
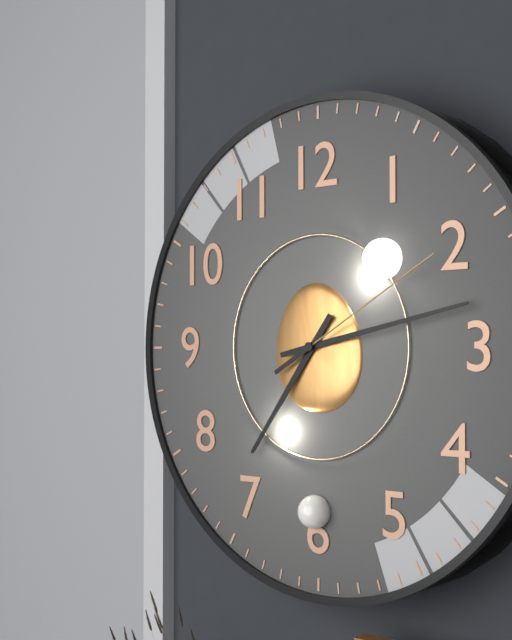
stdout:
7h13m10s
